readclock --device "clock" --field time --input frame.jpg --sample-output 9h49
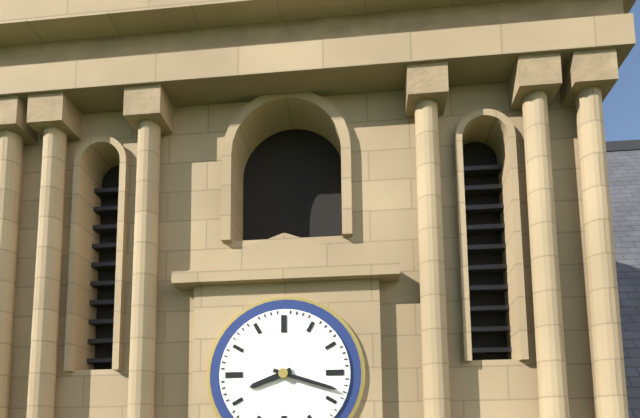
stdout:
8h18
